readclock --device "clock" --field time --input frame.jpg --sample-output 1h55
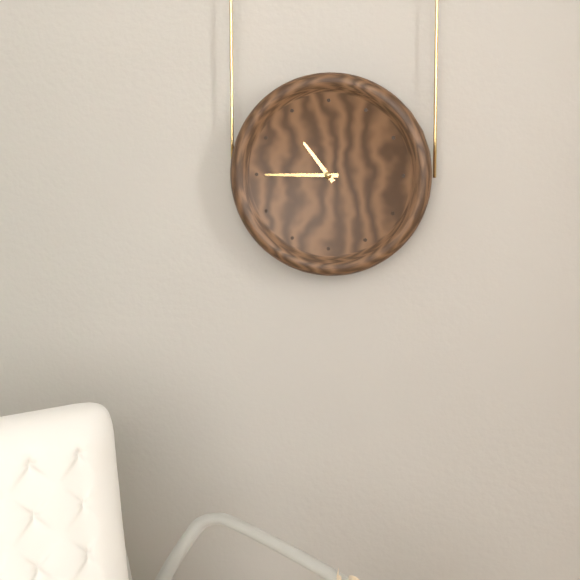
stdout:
10h45
